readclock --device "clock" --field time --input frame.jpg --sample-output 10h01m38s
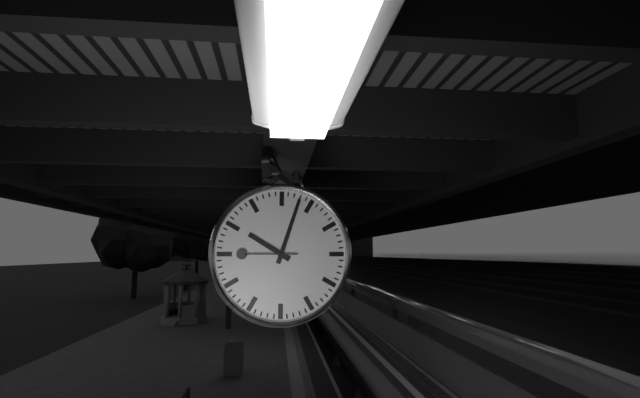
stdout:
10h03m45s
